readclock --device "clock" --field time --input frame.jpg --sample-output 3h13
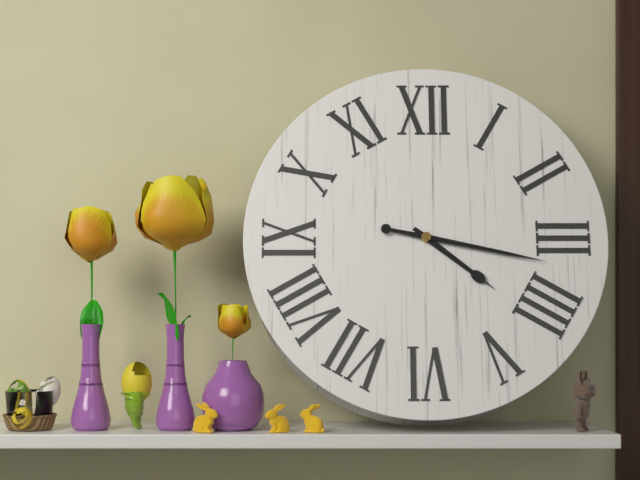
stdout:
4h17
